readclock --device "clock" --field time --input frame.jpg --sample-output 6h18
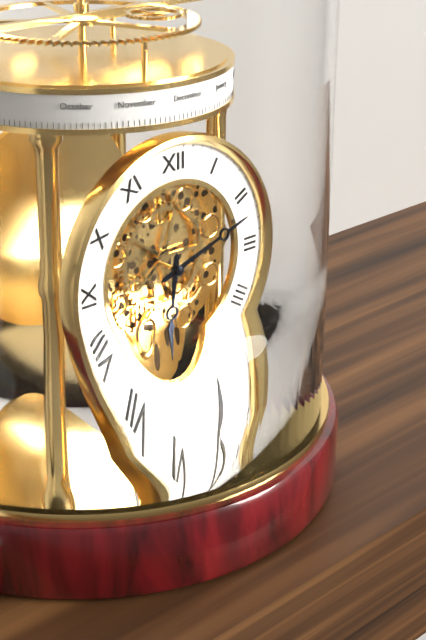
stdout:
6h12
